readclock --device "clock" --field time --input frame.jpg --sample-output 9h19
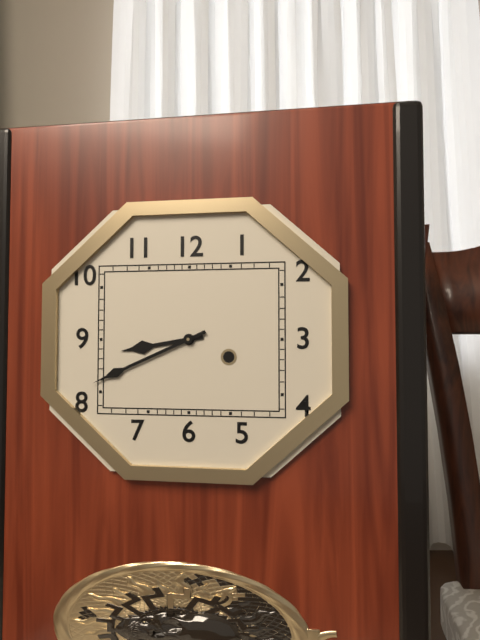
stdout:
8h41
